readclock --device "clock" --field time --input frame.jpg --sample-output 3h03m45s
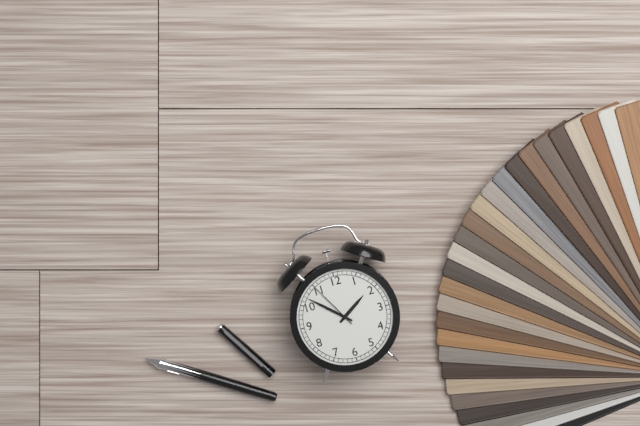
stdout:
1h52m55s
